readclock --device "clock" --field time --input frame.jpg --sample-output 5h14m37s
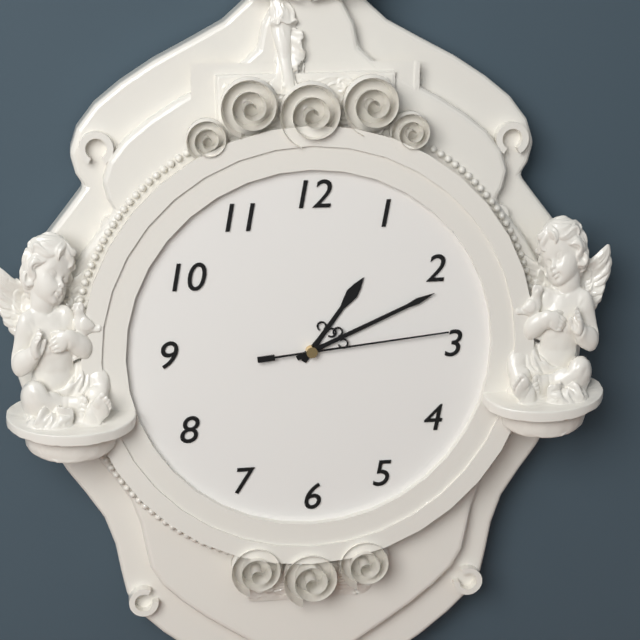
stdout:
1h11m14s
